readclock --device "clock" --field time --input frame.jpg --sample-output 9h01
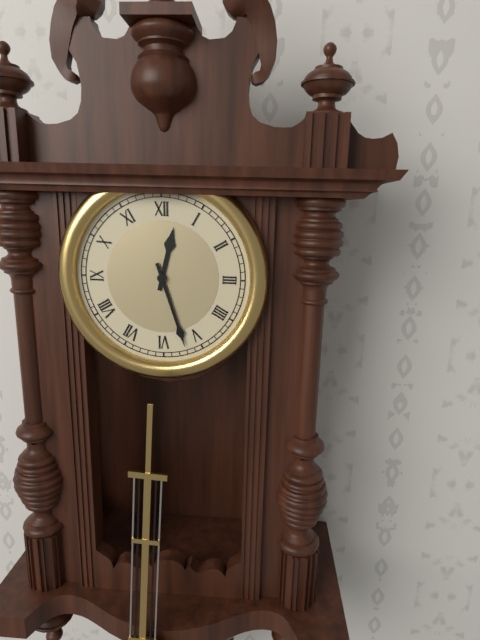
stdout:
12h27
